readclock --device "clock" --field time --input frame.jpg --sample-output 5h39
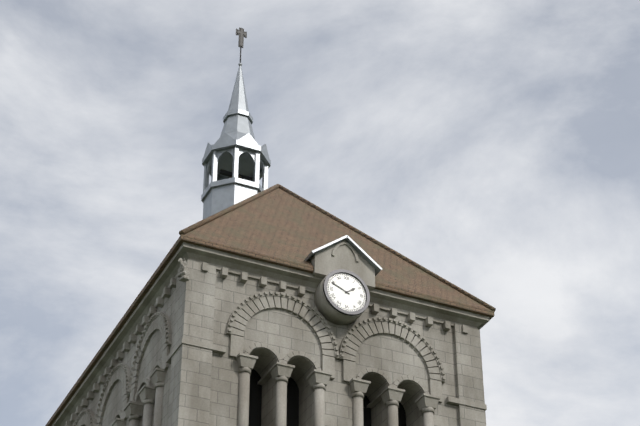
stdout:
1h49
